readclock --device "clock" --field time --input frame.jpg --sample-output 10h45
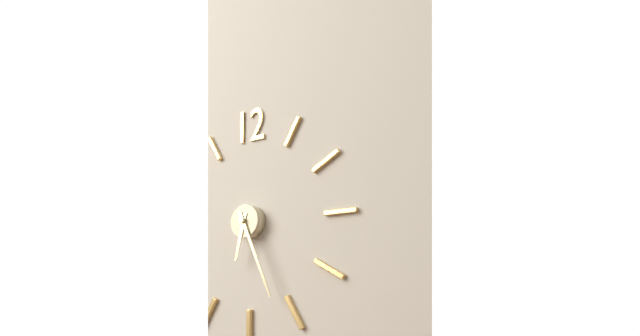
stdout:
6h26
